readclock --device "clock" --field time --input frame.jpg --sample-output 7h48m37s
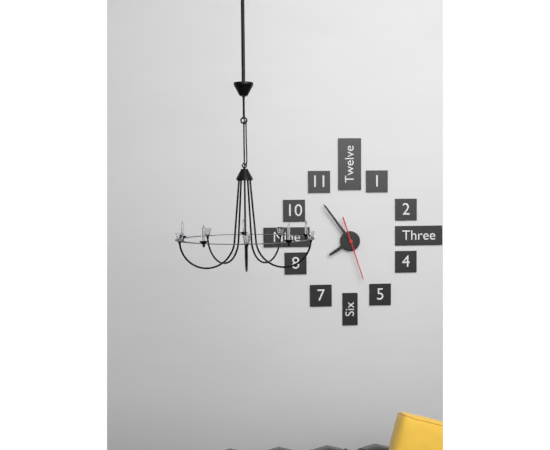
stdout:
7h54m27s
